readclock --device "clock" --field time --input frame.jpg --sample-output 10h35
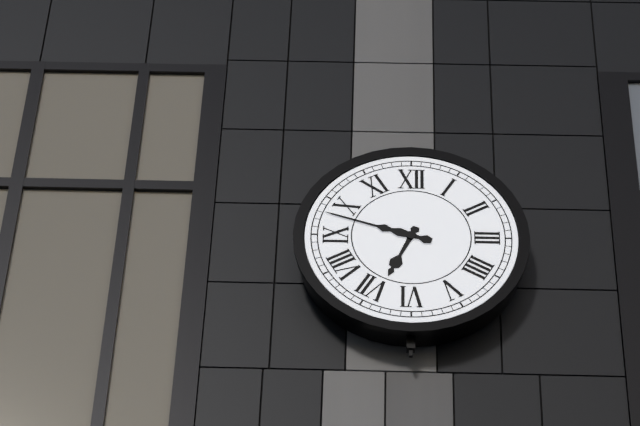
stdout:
6h48
